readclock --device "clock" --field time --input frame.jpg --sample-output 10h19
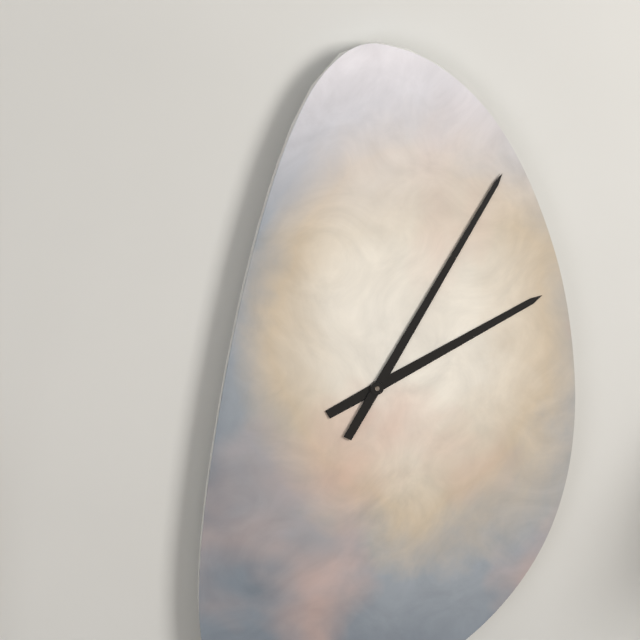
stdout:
2h05
